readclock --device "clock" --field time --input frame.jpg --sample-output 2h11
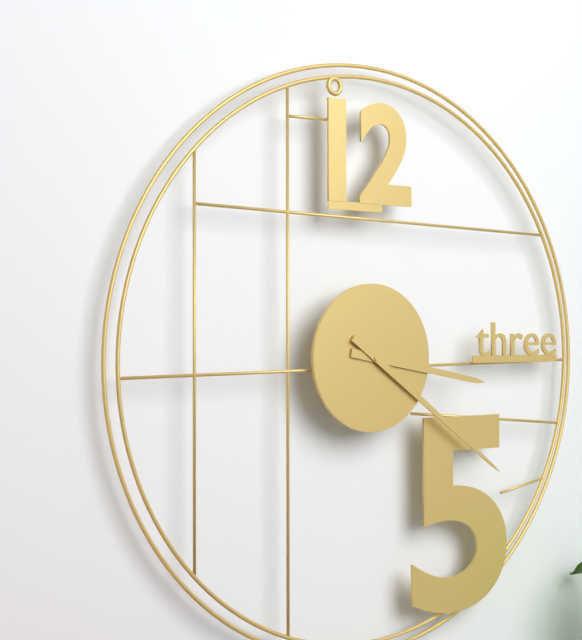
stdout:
3h21
